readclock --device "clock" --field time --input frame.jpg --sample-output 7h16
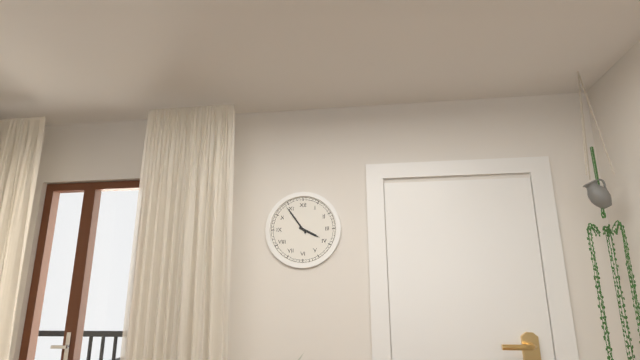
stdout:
3h54
